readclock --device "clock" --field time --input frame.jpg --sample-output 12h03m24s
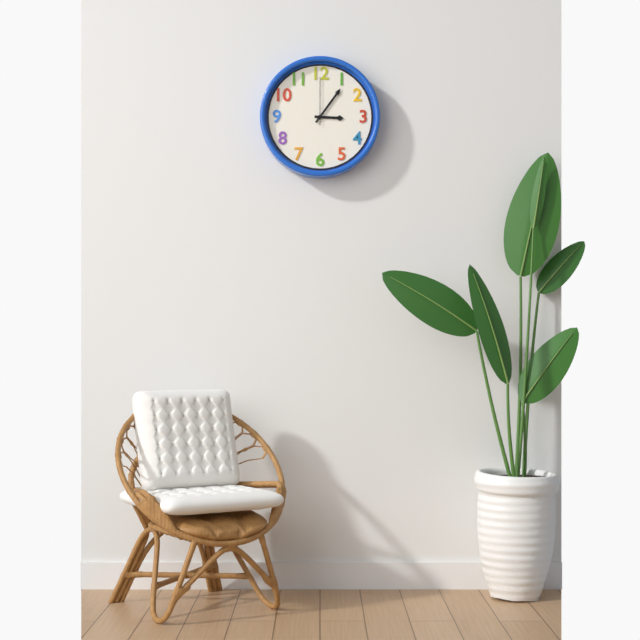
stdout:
3h06m00s
